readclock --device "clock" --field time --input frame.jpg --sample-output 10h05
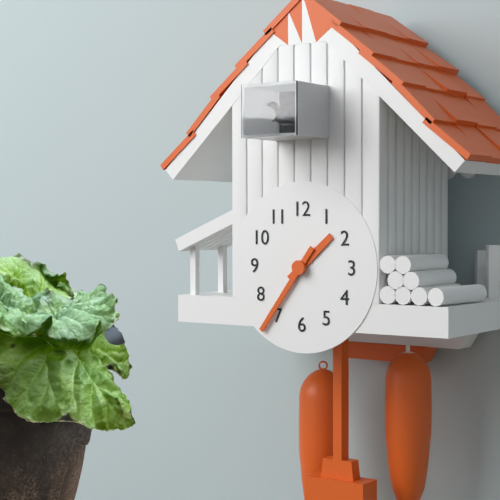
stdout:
1h36
